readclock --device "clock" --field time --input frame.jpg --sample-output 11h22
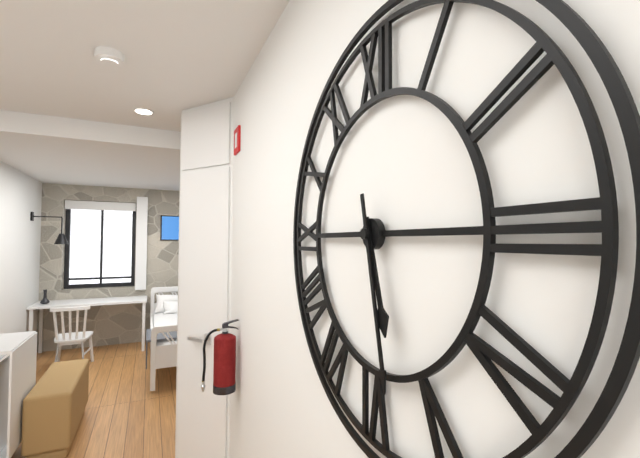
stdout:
5h28
